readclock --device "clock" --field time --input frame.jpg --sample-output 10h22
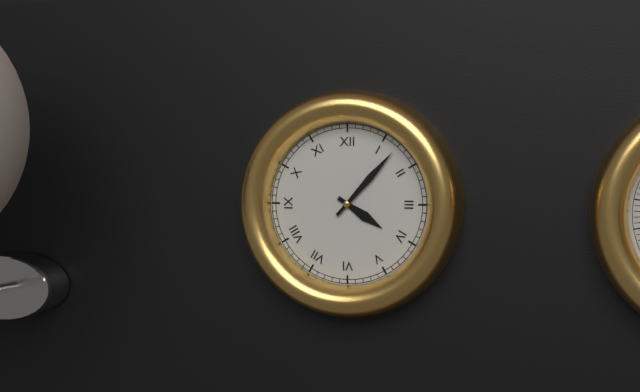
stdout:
4h07
